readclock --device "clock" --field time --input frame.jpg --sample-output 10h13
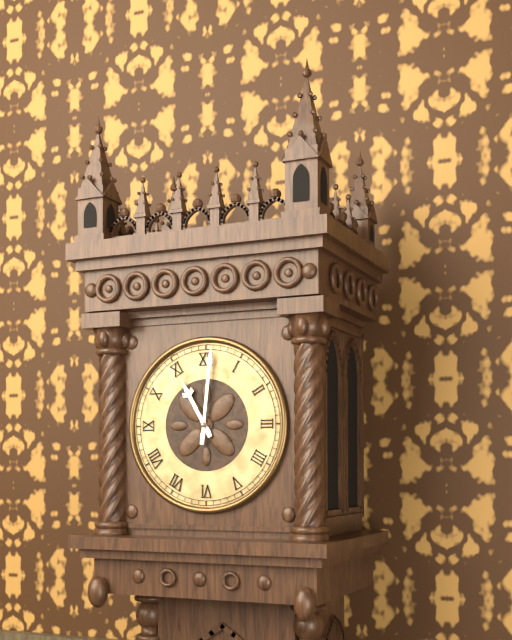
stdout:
11h01
